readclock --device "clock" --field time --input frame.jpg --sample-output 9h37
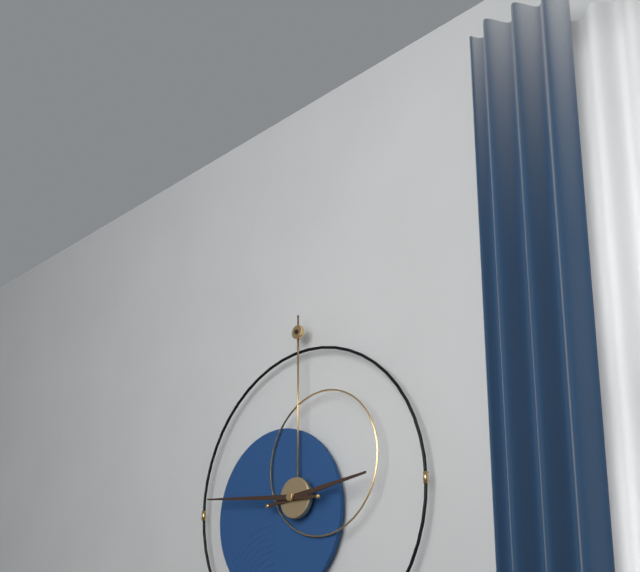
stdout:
2h46
